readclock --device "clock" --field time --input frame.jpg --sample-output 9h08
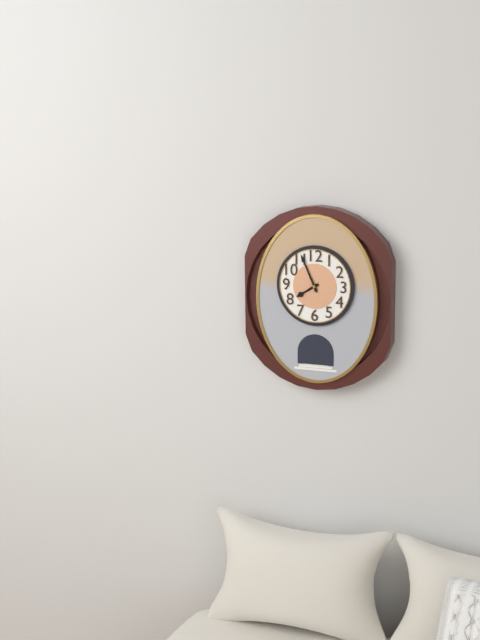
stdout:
7h56
